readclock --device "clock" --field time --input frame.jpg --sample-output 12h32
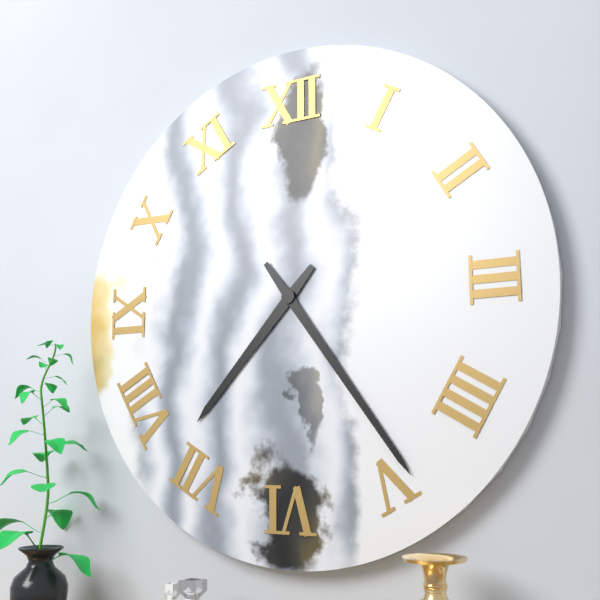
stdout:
7h24
